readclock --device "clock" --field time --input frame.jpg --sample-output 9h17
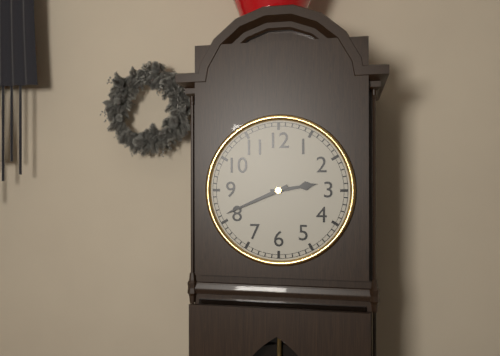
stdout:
2h41
